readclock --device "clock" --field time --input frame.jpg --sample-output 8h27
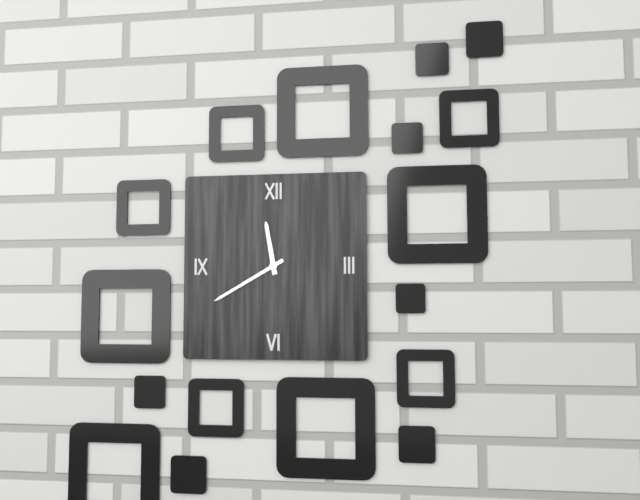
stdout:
11h40
